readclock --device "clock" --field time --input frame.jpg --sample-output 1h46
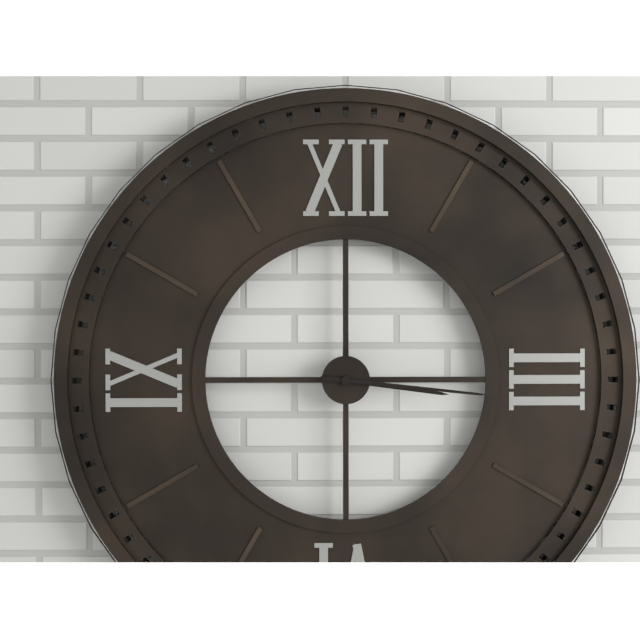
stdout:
3h16
